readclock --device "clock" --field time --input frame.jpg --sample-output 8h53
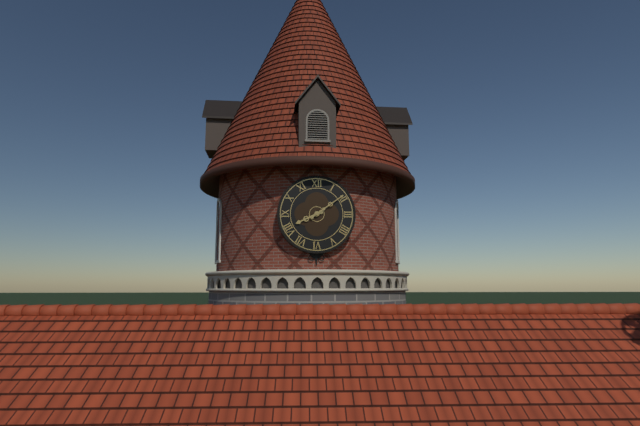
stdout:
8h09
